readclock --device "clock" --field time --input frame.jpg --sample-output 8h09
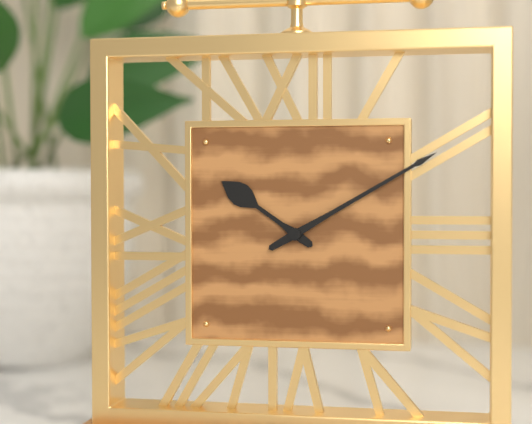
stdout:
10h10
